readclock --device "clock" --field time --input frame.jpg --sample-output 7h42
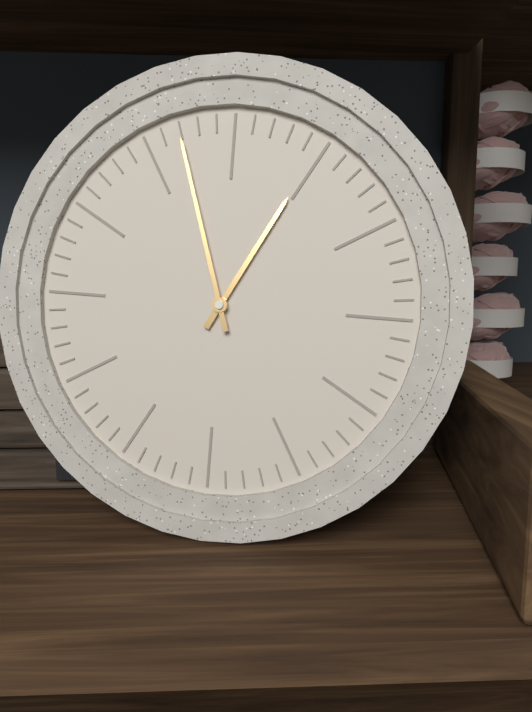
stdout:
12h57
